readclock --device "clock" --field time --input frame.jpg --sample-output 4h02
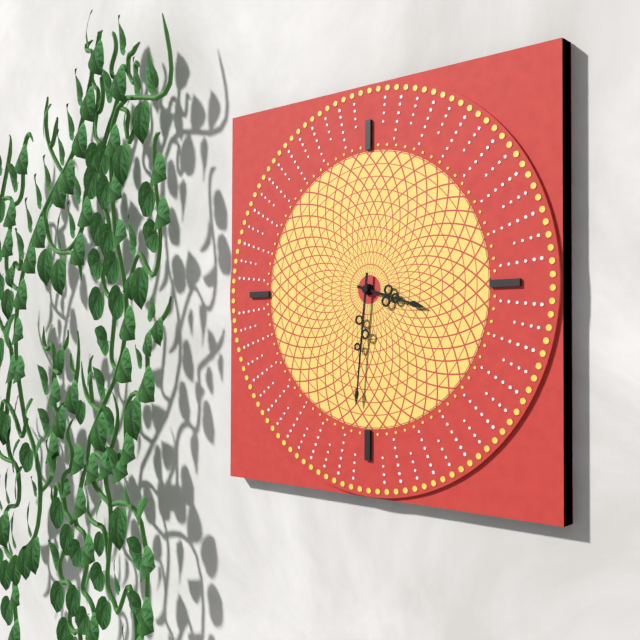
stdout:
3h31
